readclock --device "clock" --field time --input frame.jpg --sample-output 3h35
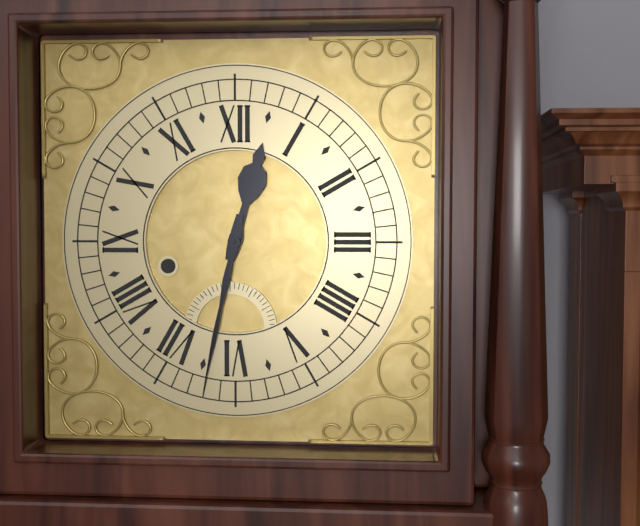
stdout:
12h32
